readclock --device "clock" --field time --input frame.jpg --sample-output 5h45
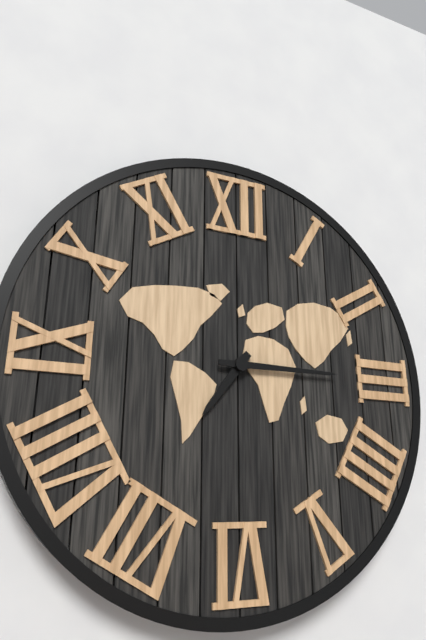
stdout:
7h15
